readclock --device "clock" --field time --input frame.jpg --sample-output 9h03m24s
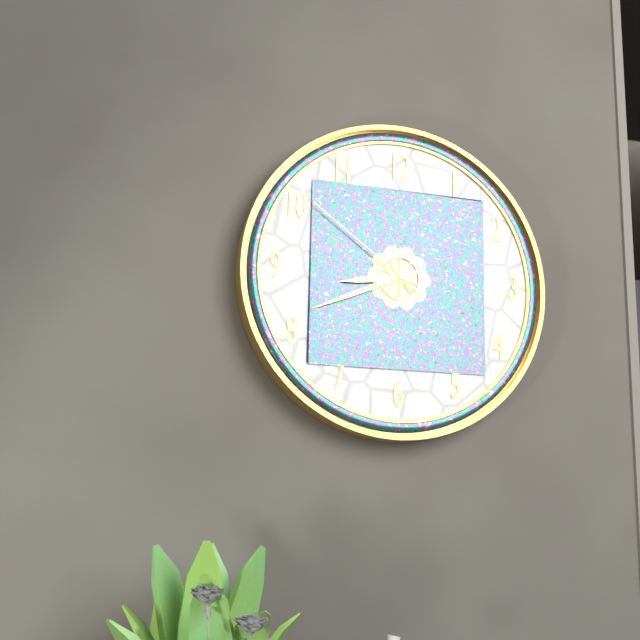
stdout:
8h41m51s
